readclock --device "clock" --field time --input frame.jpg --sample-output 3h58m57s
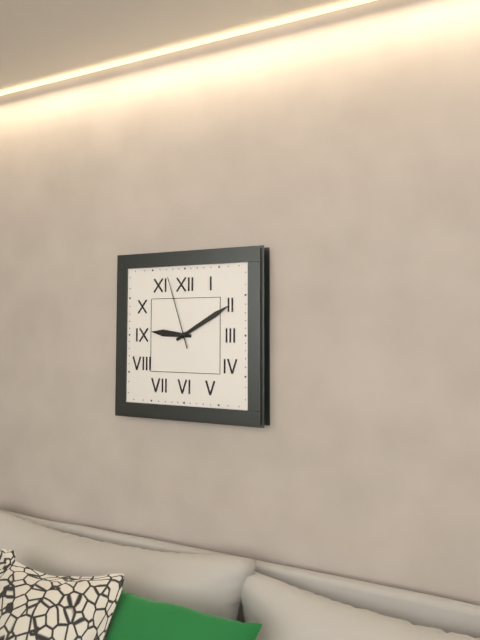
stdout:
9h10m57s
